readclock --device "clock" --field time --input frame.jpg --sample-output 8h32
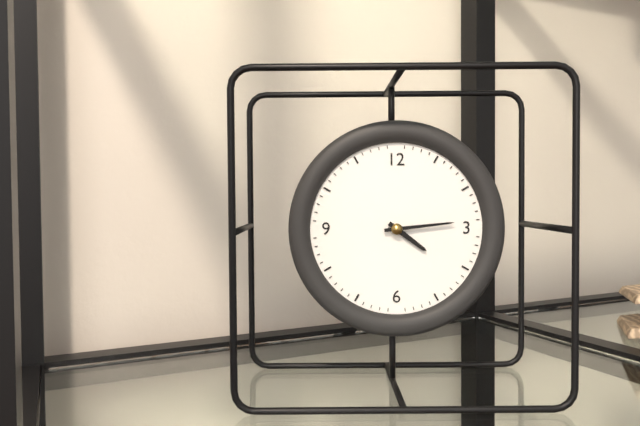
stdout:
4h14
